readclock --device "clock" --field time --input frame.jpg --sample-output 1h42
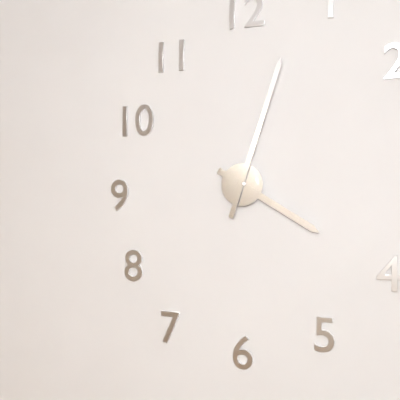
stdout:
4h03
